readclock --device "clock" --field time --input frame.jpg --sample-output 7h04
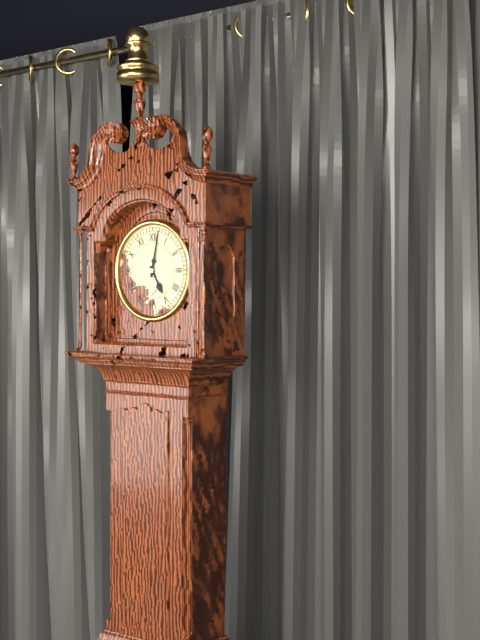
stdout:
5h02
